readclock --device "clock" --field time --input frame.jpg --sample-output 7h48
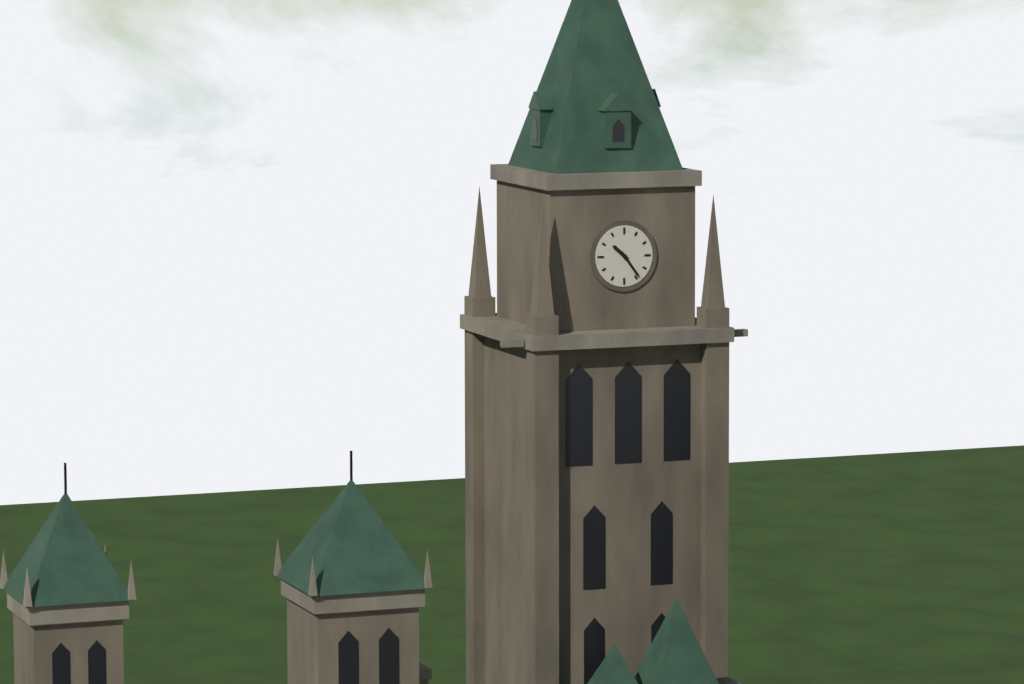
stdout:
10h24
